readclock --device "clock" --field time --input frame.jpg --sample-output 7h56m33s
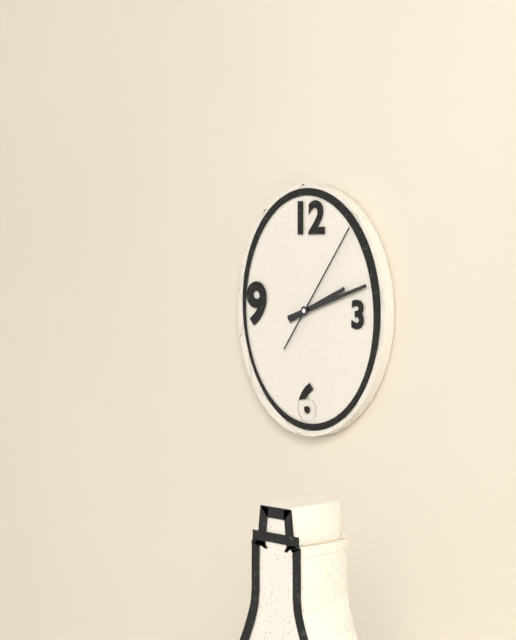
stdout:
2h12m06s
